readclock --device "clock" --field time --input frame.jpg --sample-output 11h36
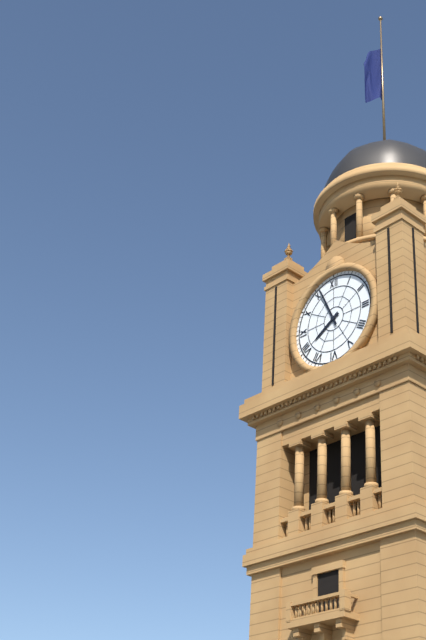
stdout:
7h56
